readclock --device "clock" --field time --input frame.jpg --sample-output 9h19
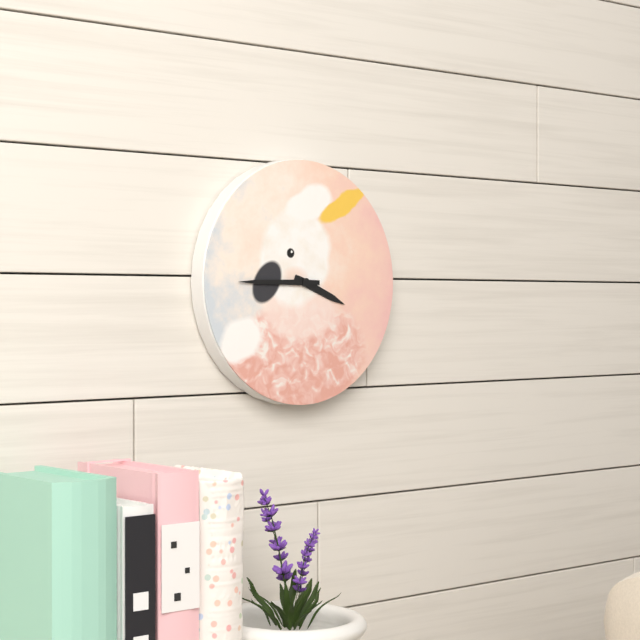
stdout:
3h45
